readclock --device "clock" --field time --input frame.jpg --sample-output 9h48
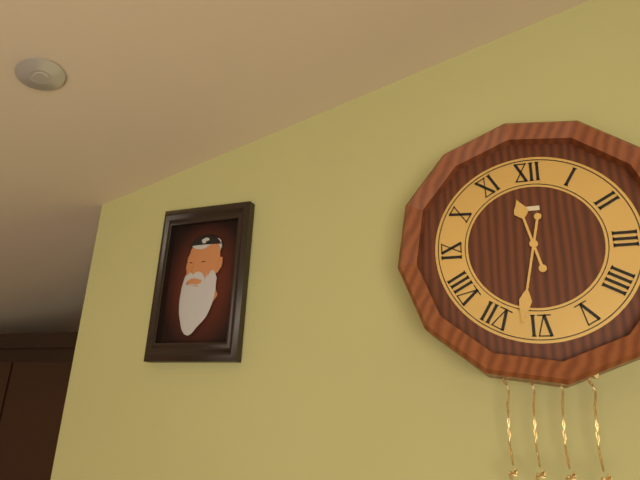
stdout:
11h32
